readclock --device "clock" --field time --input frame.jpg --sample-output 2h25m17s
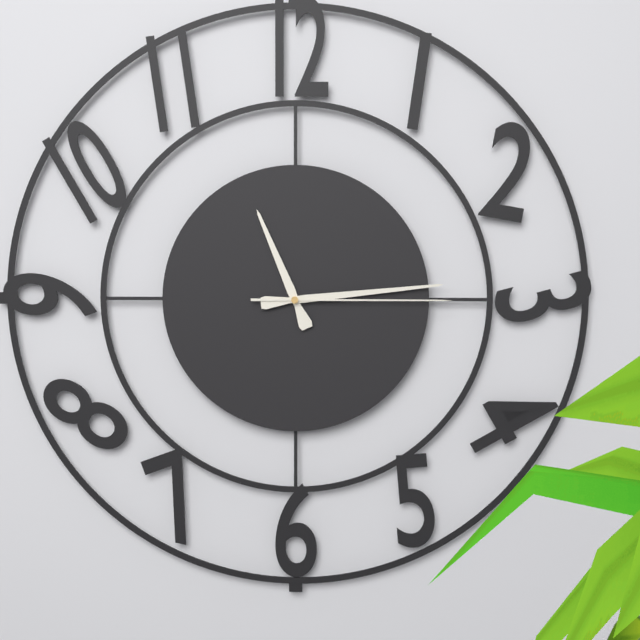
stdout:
11h14m15s
